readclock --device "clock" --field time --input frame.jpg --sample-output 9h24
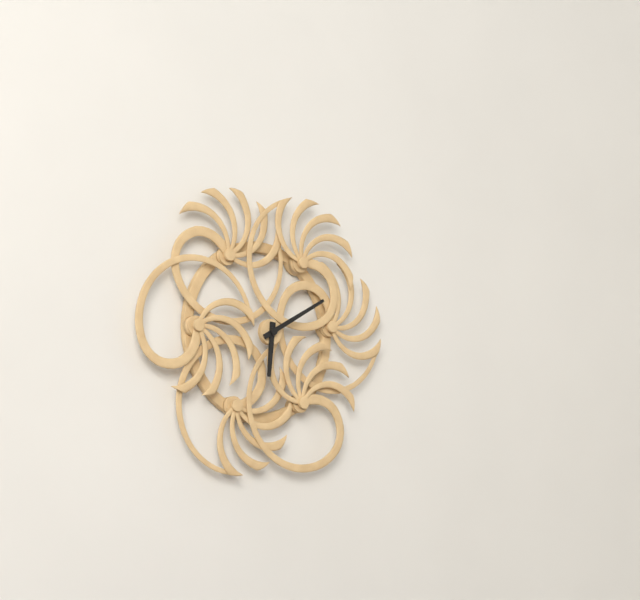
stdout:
6h10
